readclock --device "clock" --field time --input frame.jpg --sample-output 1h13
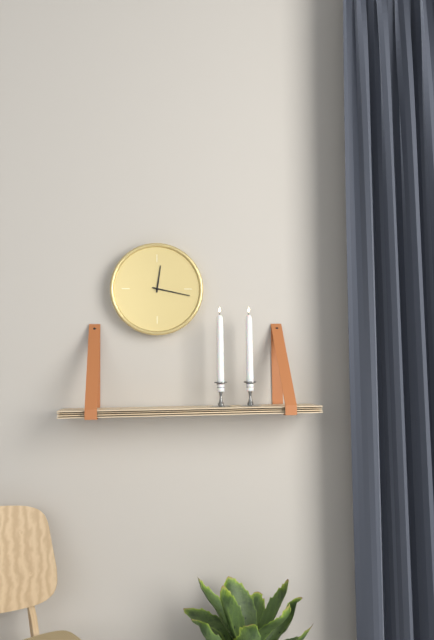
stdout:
12h17
